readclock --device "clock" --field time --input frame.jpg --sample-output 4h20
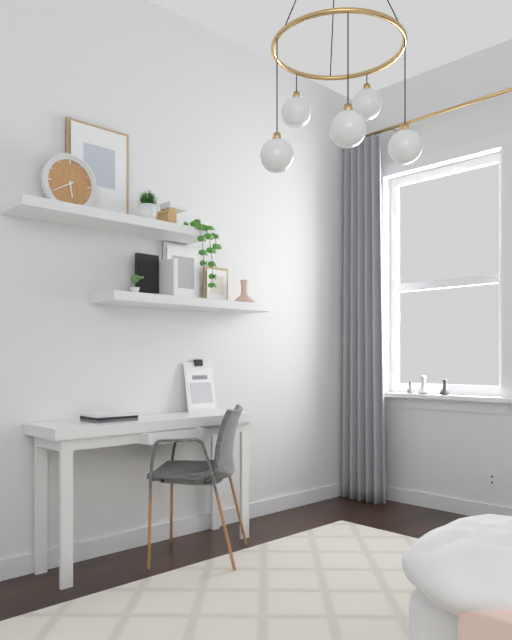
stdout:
5h40
